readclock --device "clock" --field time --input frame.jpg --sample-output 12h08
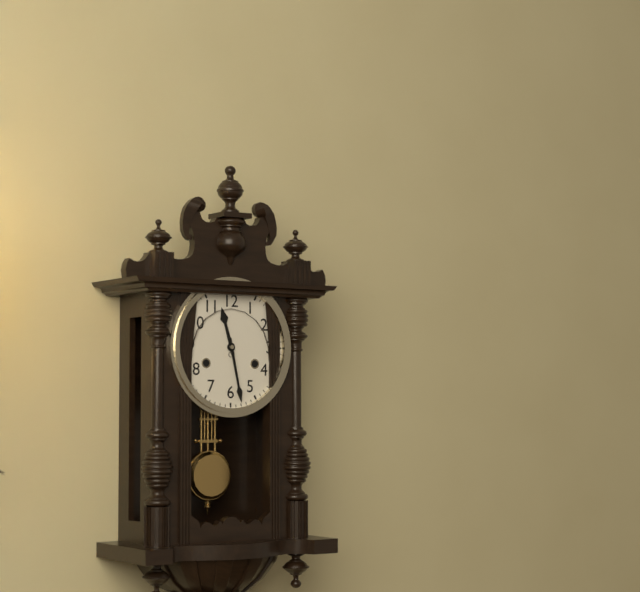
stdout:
11h28
